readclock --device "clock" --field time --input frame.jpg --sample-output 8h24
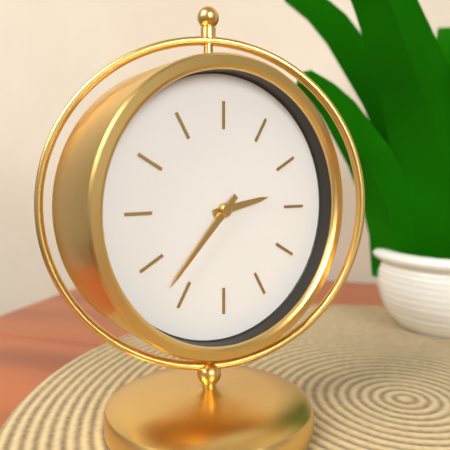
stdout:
2h37
